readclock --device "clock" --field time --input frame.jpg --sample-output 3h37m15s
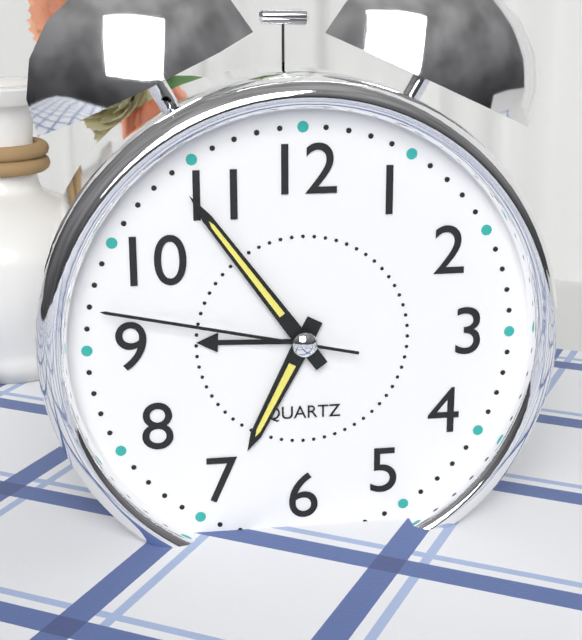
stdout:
6h54m47s
